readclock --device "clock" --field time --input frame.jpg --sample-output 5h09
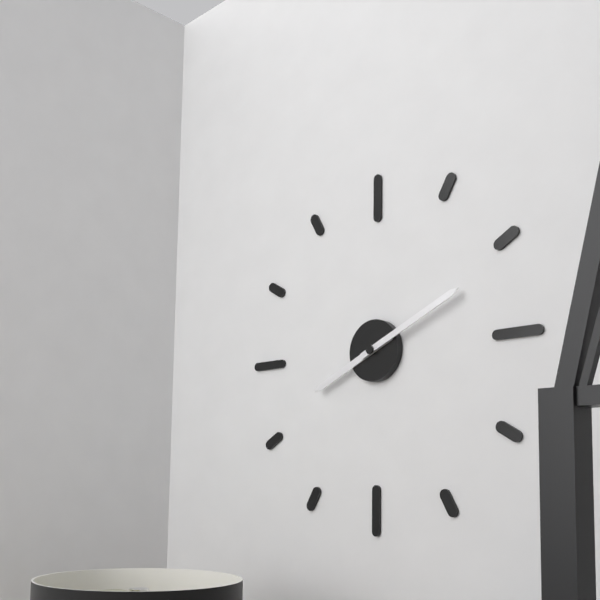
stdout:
8h11
